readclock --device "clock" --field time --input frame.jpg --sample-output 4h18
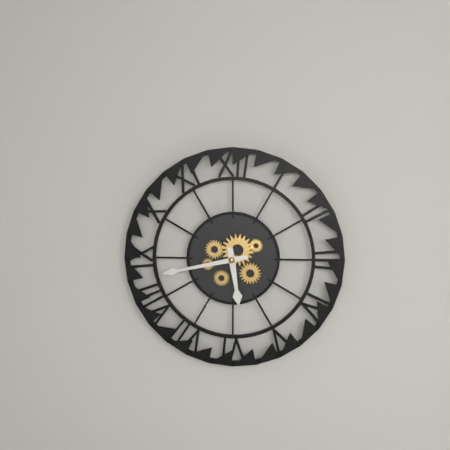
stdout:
5h43
